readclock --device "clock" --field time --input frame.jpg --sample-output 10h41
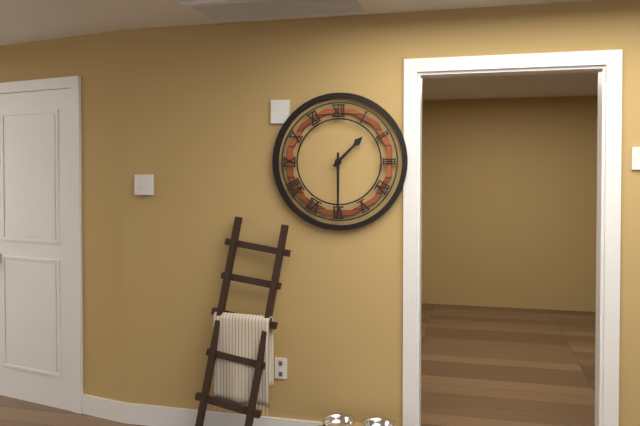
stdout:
1h30
